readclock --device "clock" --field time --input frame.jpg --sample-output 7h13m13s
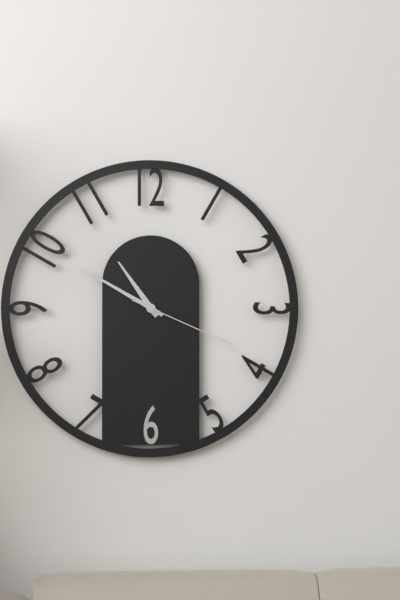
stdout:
10h50m19s
